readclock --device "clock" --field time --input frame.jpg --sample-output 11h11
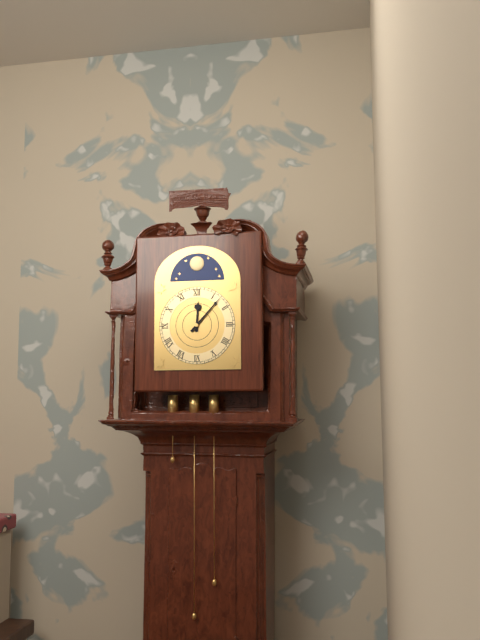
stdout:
12h07
